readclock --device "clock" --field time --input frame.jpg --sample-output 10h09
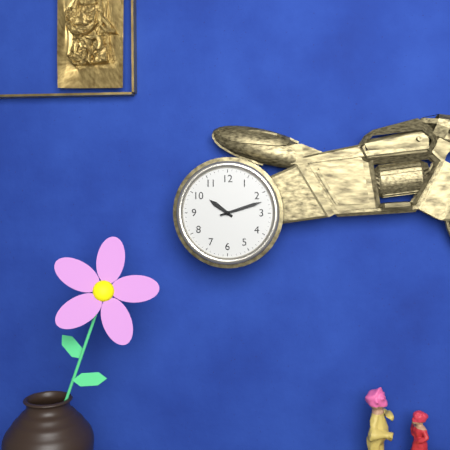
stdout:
10h12
